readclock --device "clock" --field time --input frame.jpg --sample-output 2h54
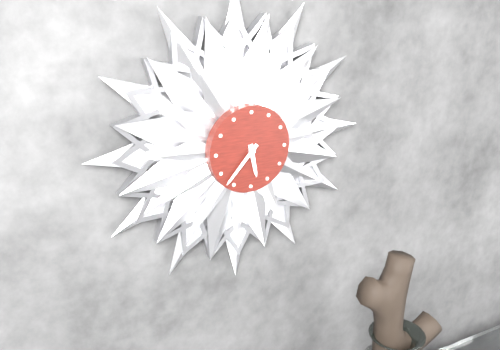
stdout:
5h37
